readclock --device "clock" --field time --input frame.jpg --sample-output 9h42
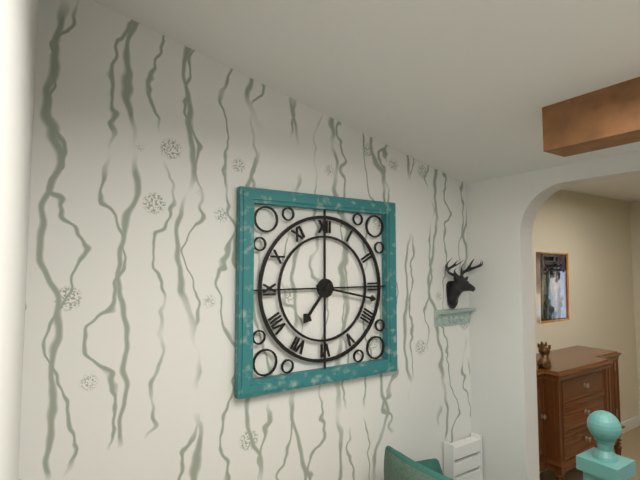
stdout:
7h17
